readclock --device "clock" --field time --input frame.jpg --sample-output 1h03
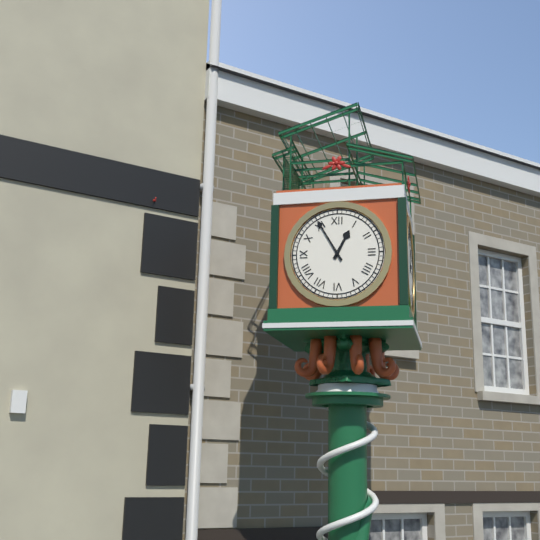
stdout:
12h55
